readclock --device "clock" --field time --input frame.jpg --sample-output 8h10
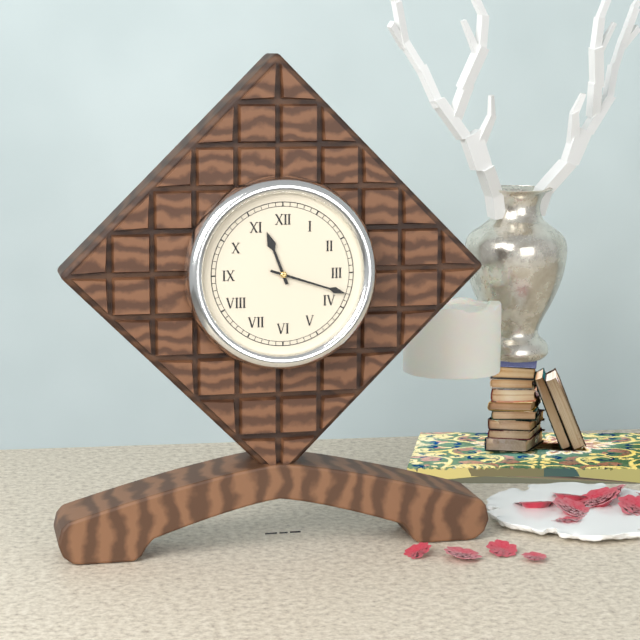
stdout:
11h18
